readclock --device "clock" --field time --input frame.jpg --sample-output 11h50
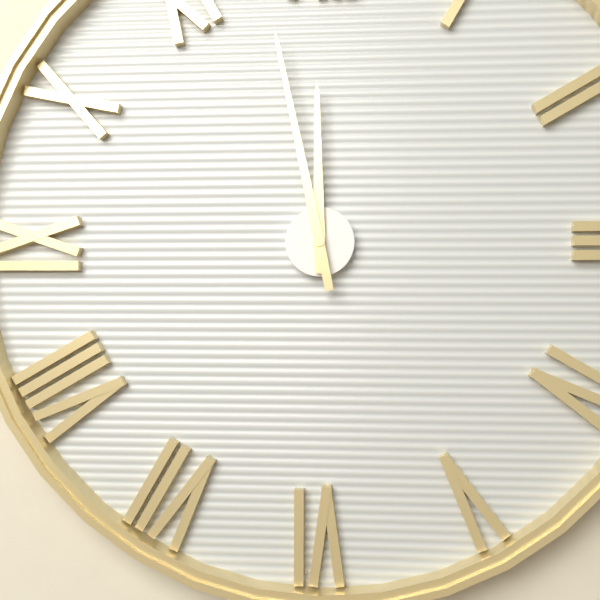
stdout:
11h58
